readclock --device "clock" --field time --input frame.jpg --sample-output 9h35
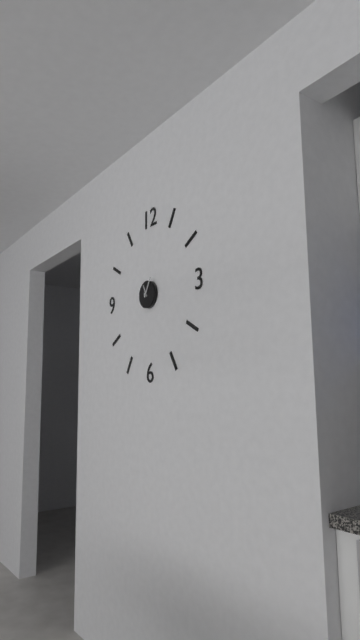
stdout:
11h05
